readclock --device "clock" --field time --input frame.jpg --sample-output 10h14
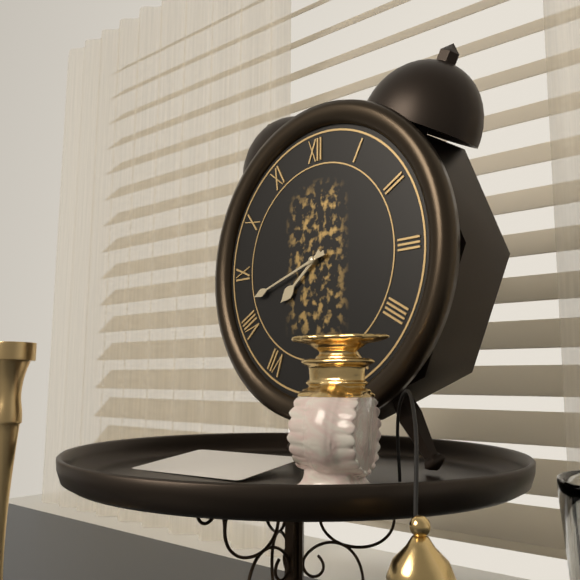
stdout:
7h42
